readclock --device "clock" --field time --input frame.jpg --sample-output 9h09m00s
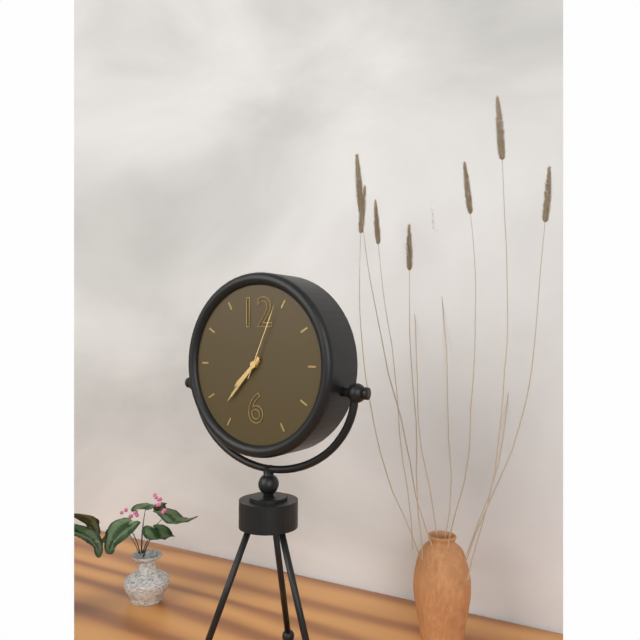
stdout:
7h37m04s
